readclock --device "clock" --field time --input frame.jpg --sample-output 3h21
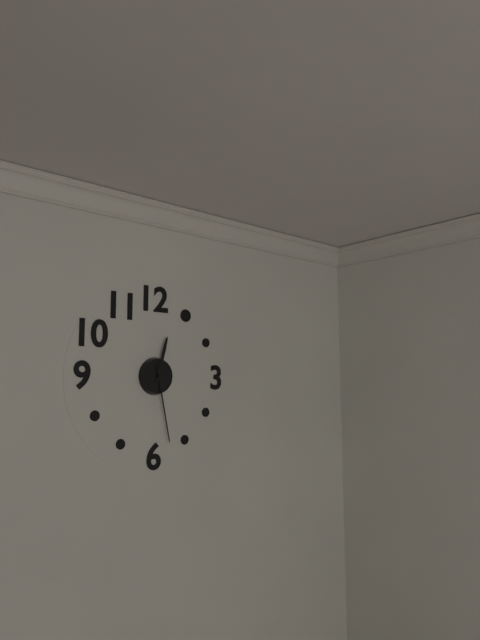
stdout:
12h28
